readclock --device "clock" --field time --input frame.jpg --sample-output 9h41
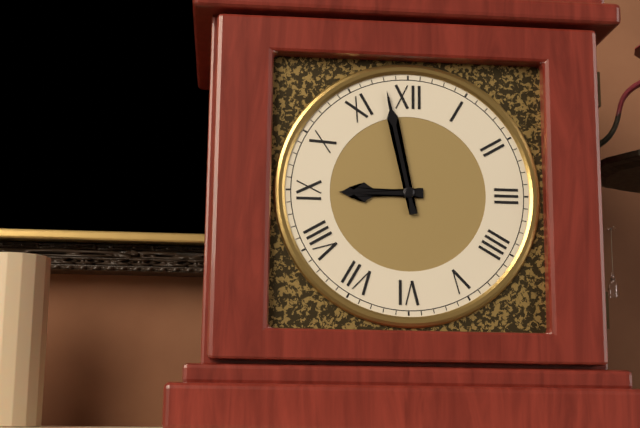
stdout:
8h58
